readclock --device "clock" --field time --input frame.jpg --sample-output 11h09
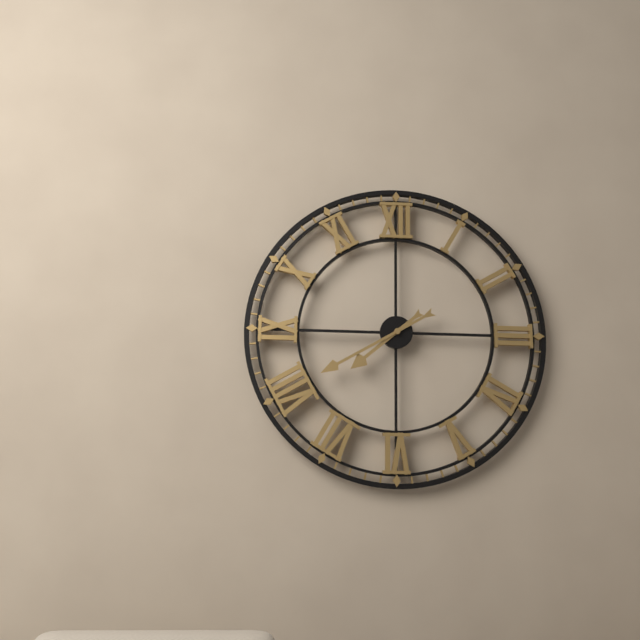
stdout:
7h40
